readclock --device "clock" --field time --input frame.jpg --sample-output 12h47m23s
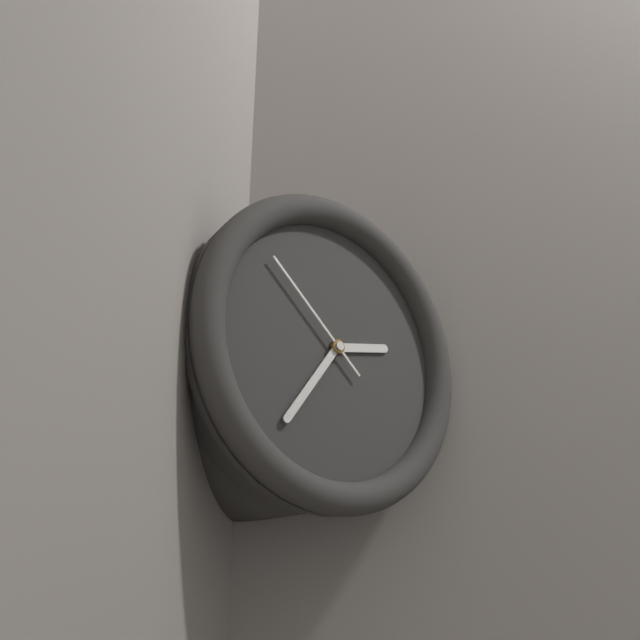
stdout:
2h36m52s
